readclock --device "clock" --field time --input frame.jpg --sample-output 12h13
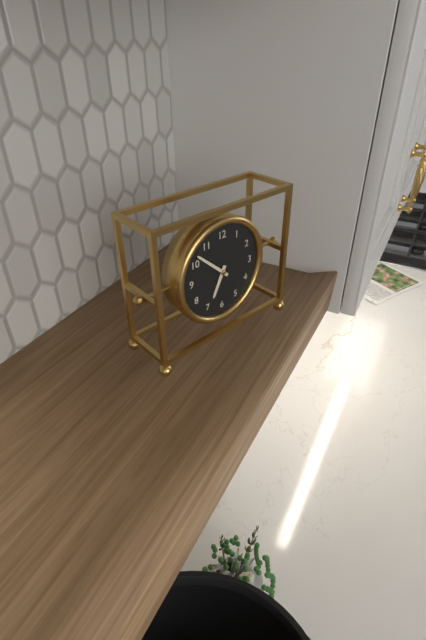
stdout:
6h52
